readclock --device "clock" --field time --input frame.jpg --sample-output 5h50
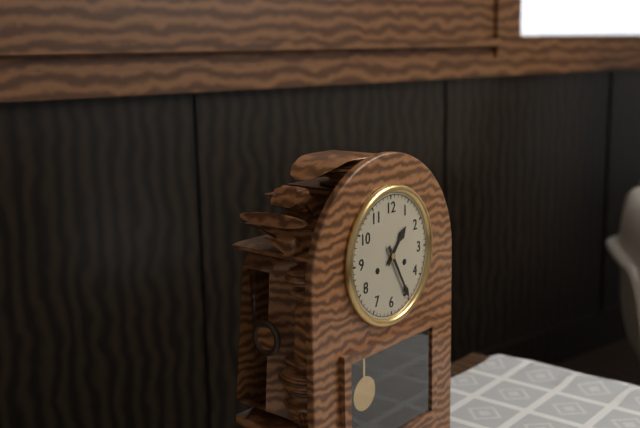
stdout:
1h25
